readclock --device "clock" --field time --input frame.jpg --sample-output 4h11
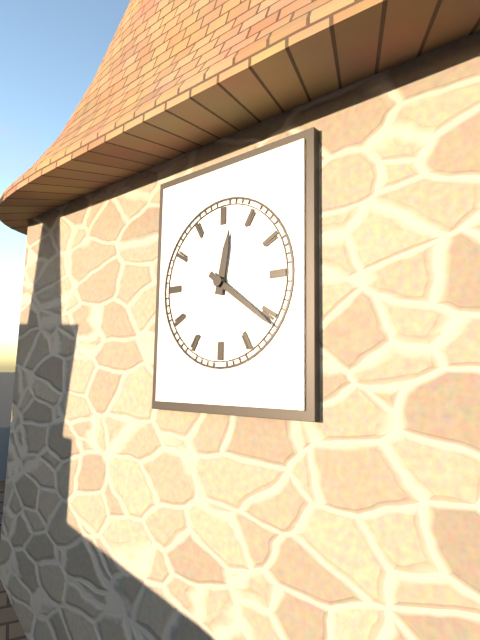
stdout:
12h21
